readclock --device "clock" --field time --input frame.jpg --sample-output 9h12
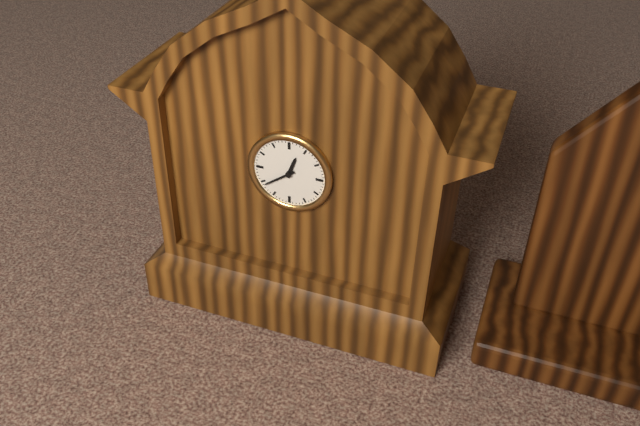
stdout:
12h39
